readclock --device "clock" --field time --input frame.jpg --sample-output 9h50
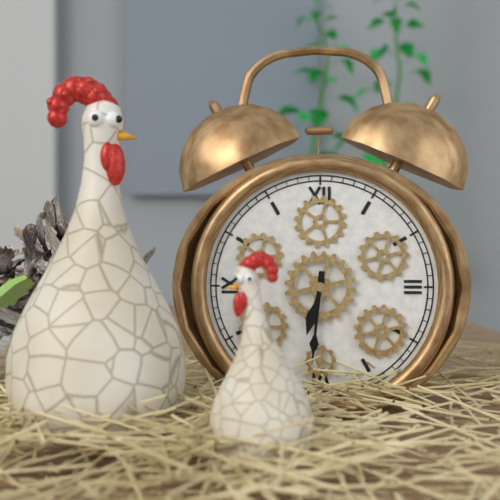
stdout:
6h31
